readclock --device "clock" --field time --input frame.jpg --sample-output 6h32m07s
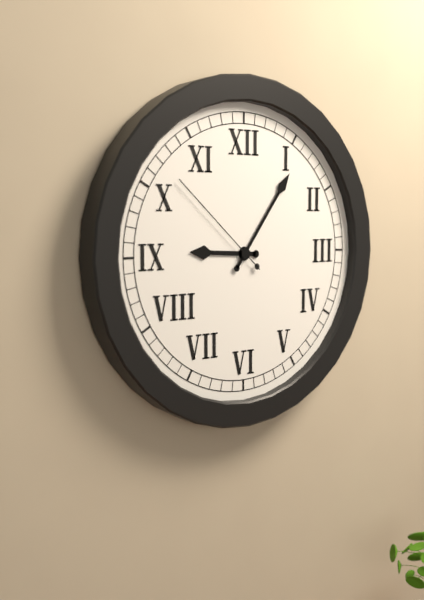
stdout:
9h06m52s
